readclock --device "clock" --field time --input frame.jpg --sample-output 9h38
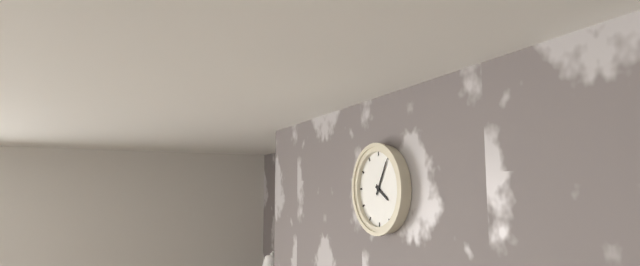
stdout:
4h05
